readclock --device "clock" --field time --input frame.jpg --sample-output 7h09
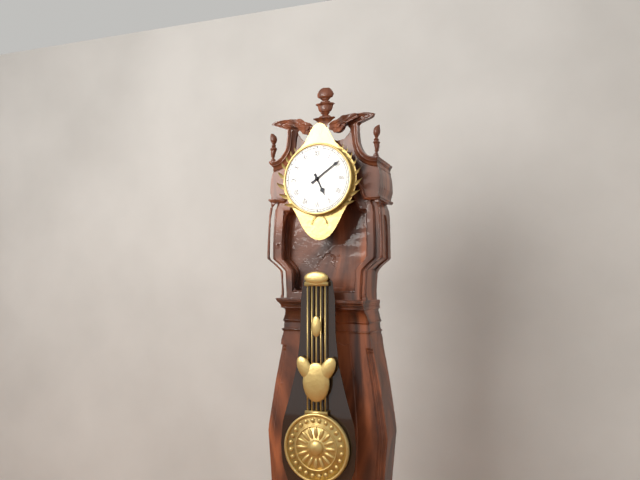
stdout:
5h09
